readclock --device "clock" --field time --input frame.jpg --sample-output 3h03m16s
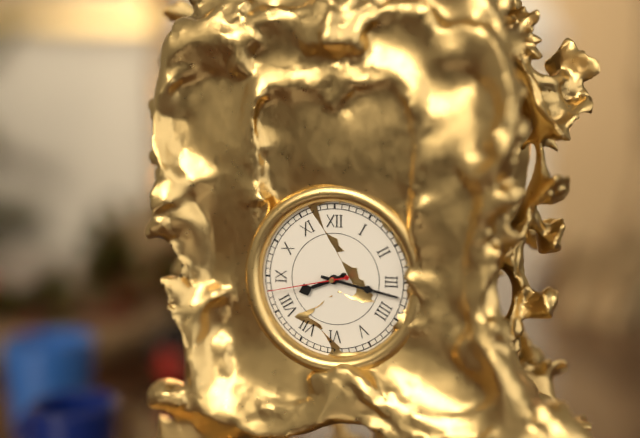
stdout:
8h17m43s
